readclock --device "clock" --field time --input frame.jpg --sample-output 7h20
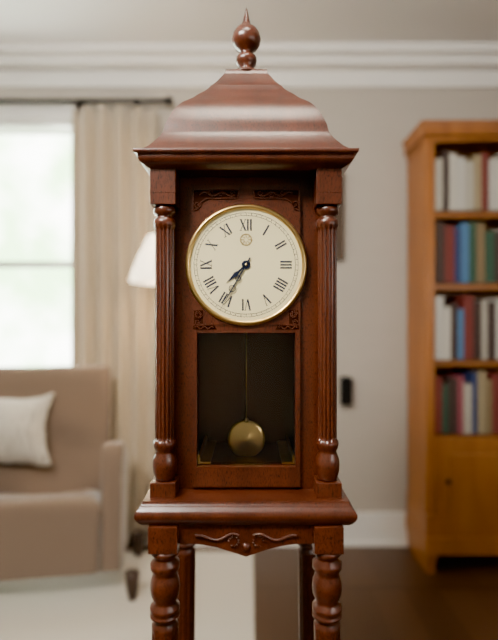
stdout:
7h35
